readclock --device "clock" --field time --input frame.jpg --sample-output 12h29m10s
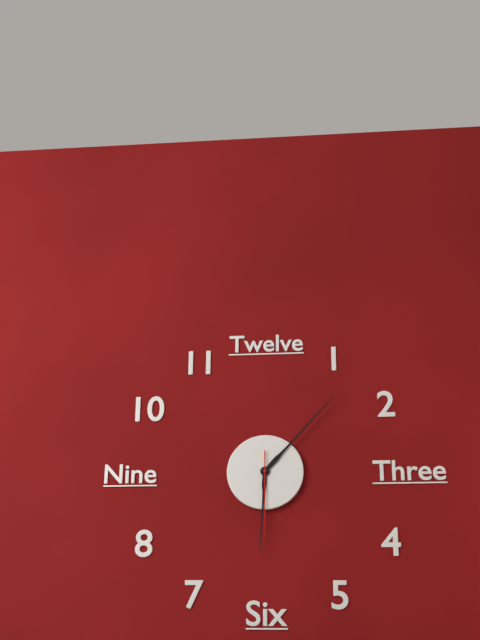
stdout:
6h07m30s
